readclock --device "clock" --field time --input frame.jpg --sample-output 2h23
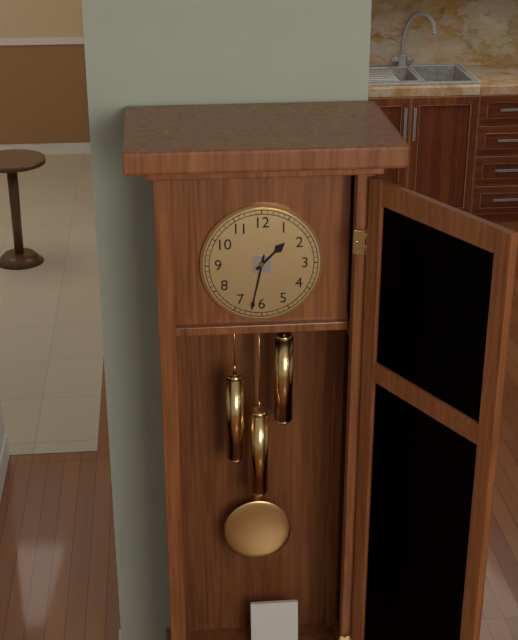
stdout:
1h32
